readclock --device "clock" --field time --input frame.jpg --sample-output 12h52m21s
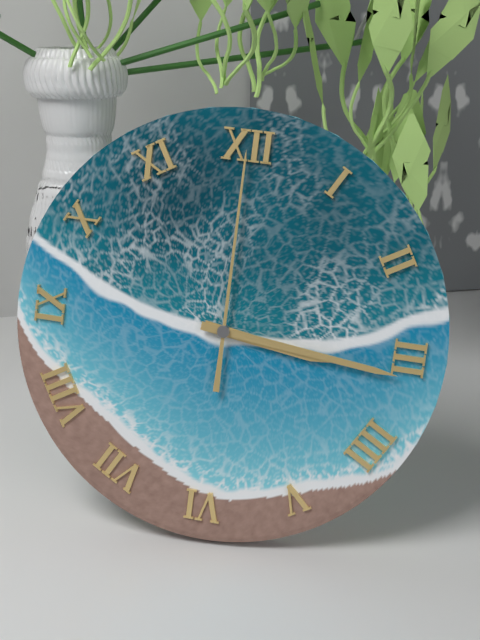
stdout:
3h16m00s
